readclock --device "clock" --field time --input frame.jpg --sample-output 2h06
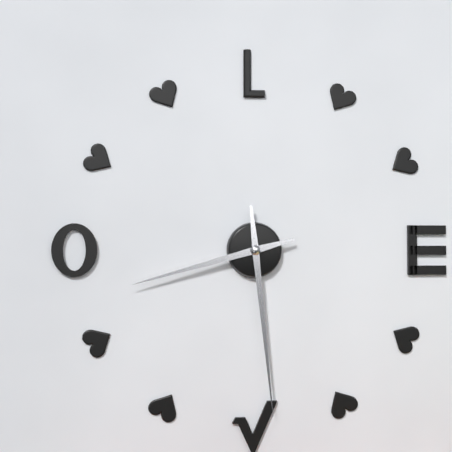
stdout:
8h29
